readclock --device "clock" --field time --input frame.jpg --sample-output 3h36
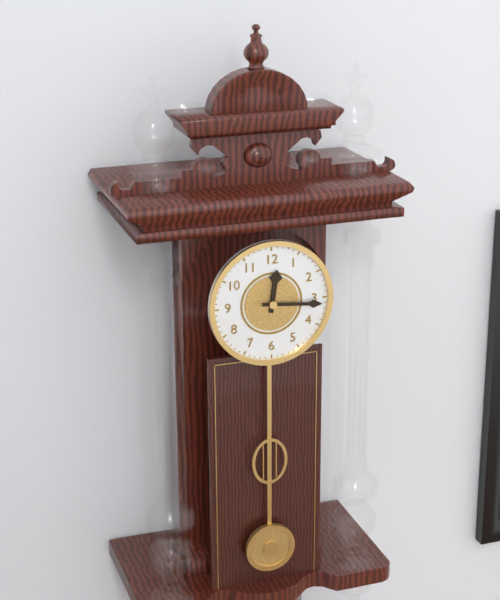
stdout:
12h16
